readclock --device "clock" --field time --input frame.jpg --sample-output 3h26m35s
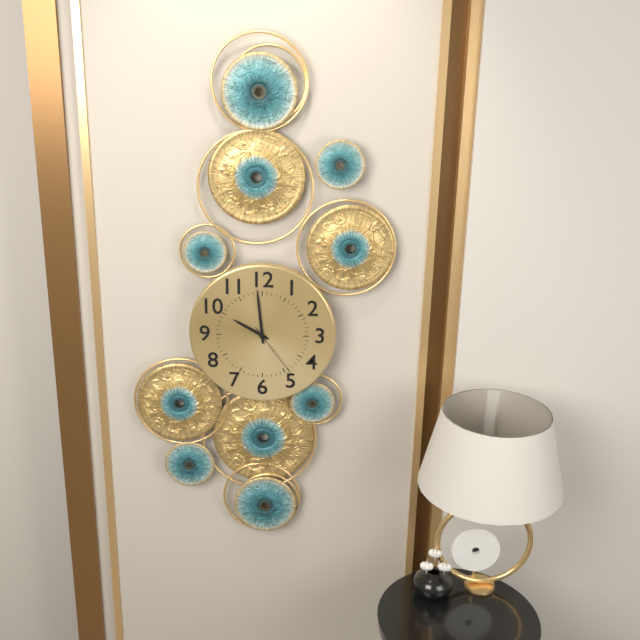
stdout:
9h59m24s
